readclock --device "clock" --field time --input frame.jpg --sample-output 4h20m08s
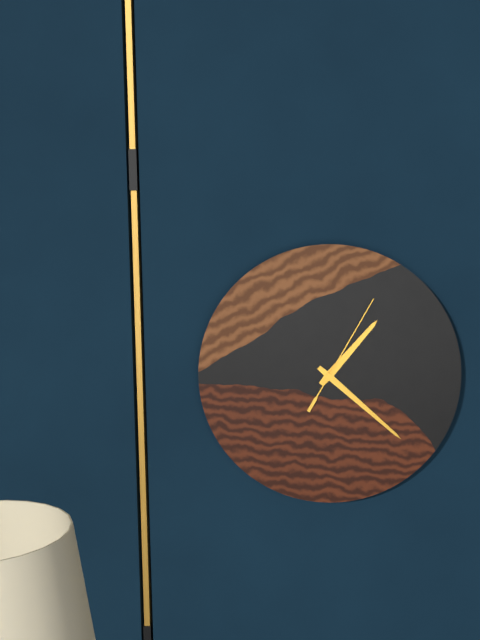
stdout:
1h22m05s
